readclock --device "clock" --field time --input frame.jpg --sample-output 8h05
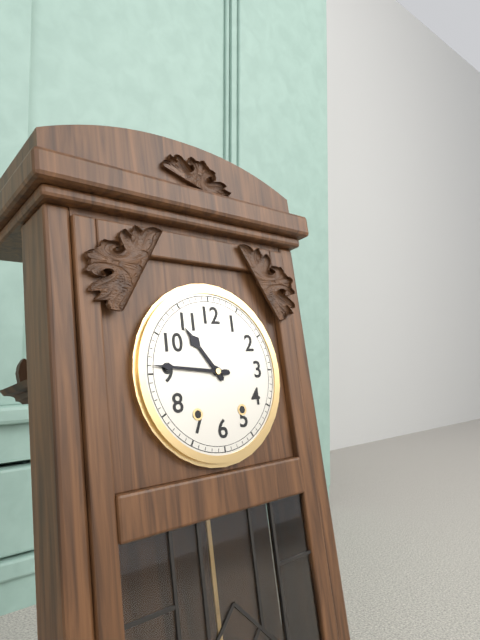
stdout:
10h46
